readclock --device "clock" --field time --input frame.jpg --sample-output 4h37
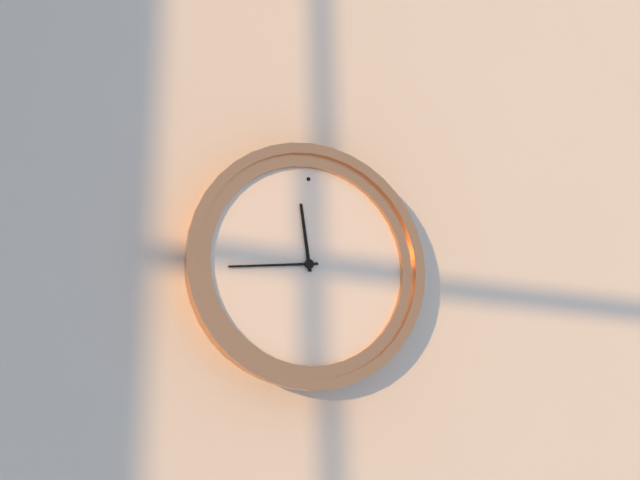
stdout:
11h44
